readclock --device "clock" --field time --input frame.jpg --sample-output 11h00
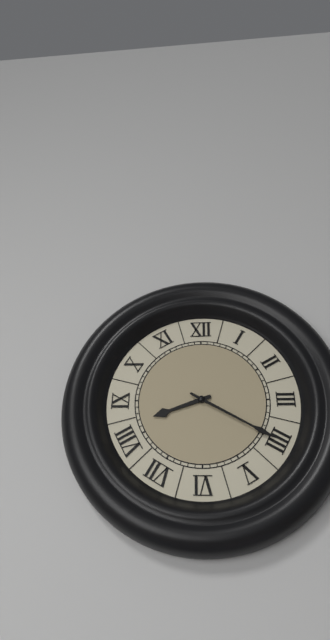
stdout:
8h20
